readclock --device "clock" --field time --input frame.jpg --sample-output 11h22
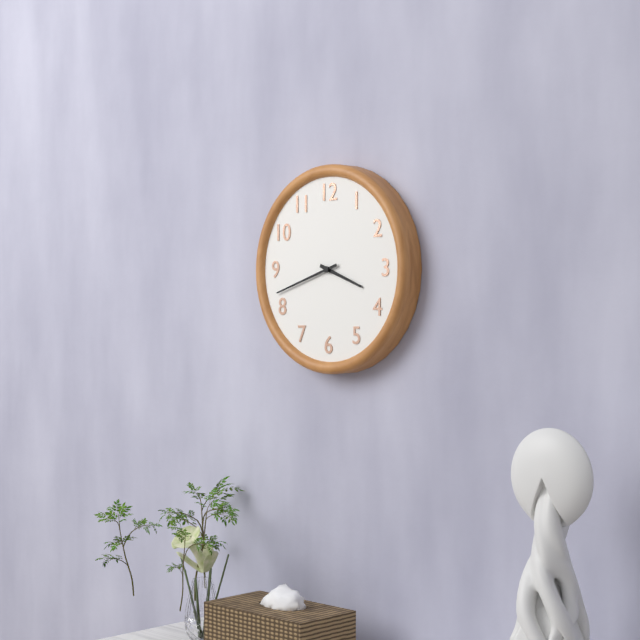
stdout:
3h42
